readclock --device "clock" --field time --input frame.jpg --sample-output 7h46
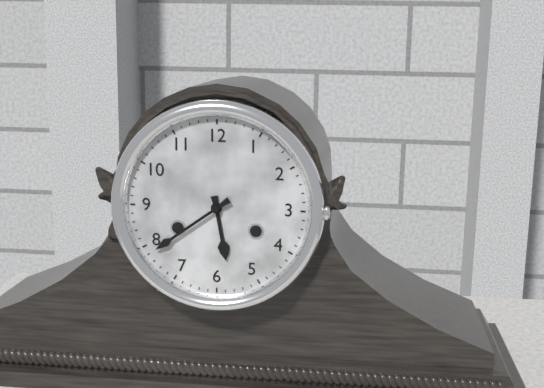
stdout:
5h39
